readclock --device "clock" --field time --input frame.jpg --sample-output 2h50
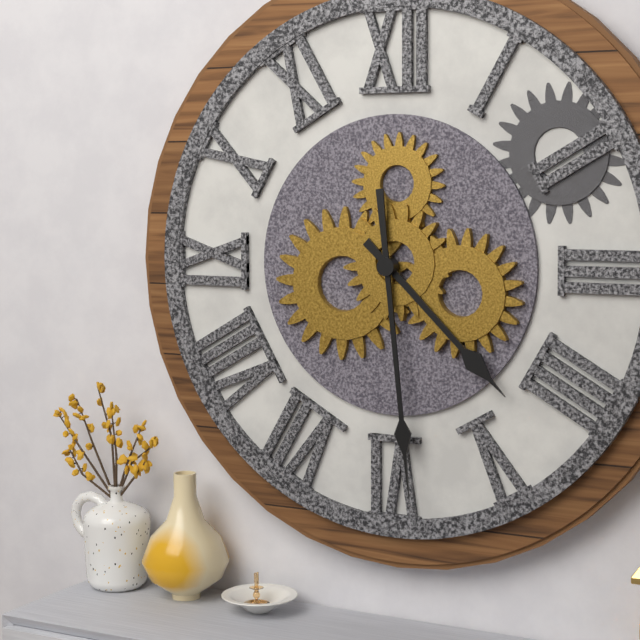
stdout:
4h29
